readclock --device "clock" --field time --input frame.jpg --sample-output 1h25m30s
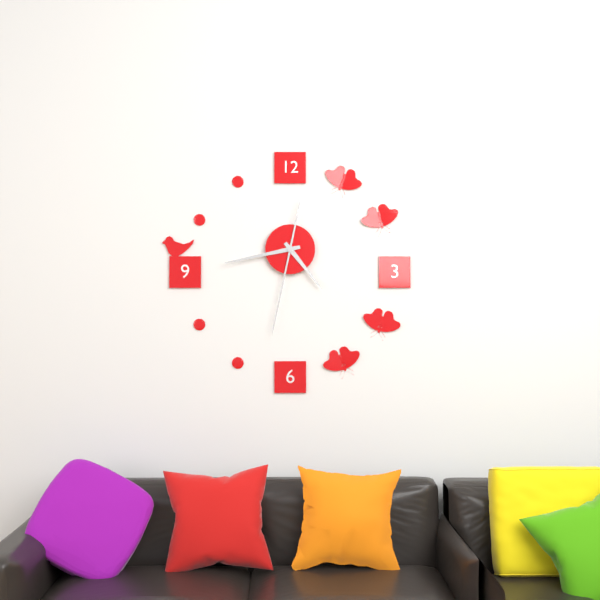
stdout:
4h43m32s
